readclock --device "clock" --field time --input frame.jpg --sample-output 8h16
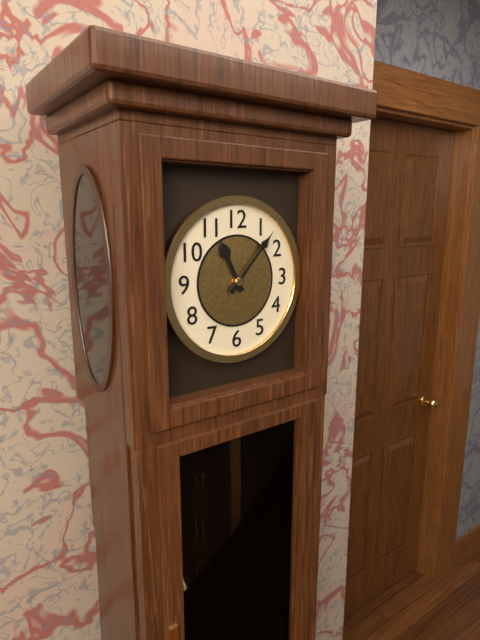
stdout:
11h07
